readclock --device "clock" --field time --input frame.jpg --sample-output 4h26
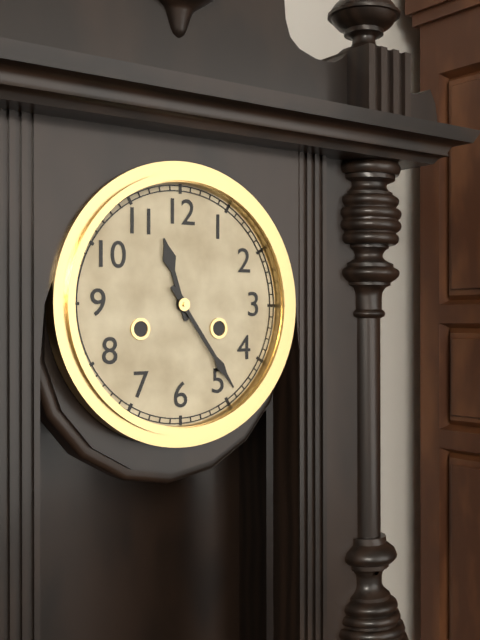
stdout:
11h24
